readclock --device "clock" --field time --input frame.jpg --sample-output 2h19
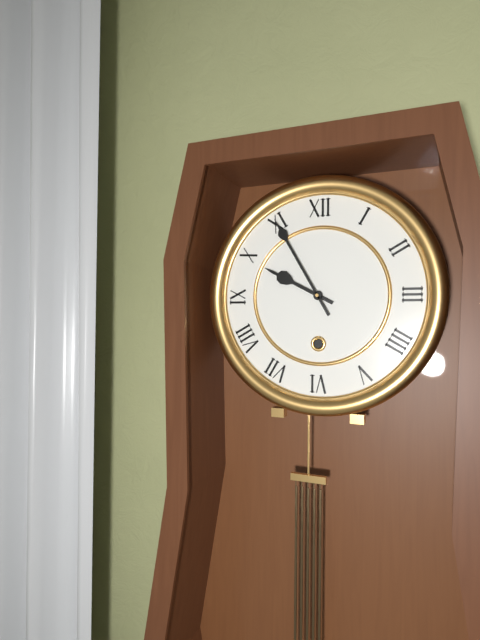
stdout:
9h55
